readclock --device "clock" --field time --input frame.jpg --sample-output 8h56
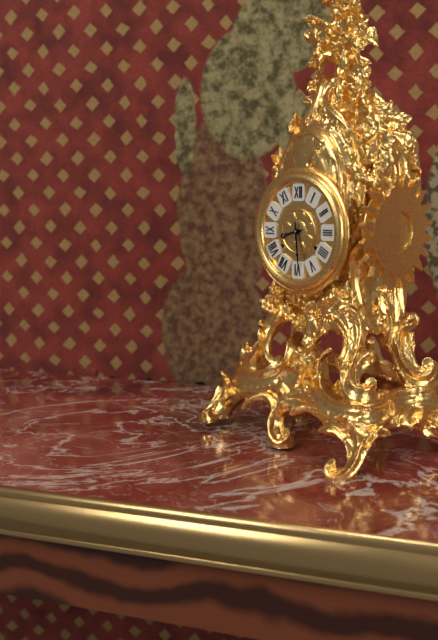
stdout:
8h29
